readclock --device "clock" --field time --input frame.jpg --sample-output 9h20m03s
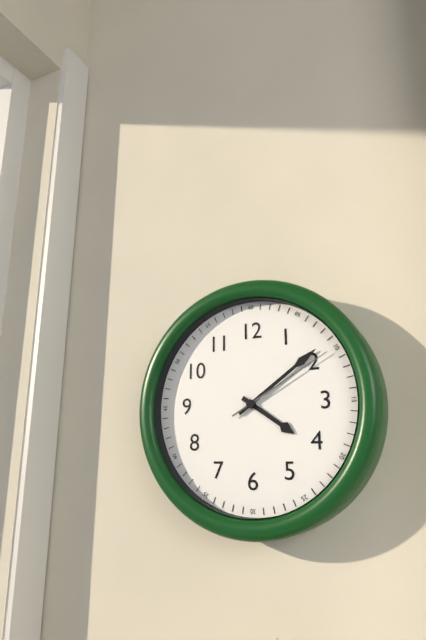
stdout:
4h09m10s
